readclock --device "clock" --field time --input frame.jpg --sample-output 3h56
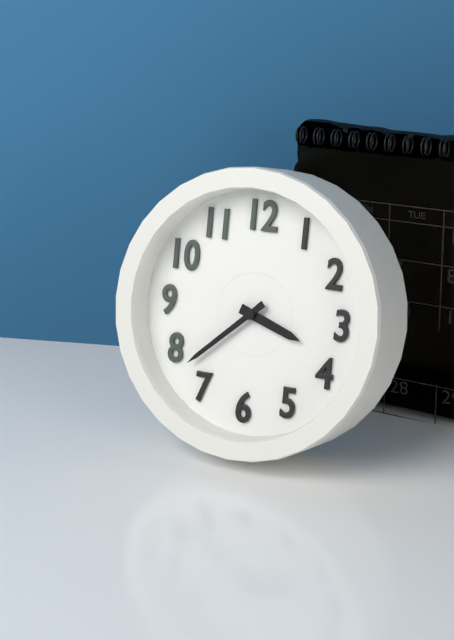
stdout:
3h38
